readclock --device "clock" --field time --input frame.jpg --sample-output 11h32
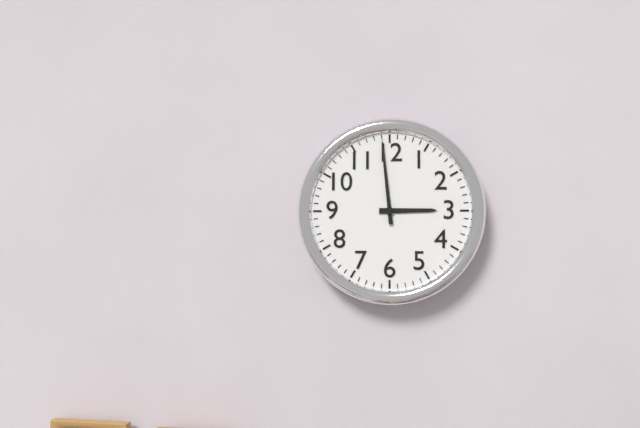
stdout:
2h59
